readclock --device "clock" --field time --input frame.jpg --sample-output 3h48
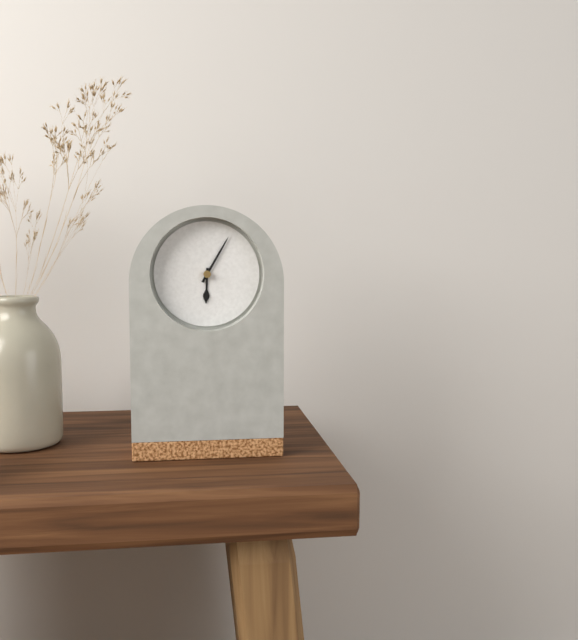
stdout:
6h05
